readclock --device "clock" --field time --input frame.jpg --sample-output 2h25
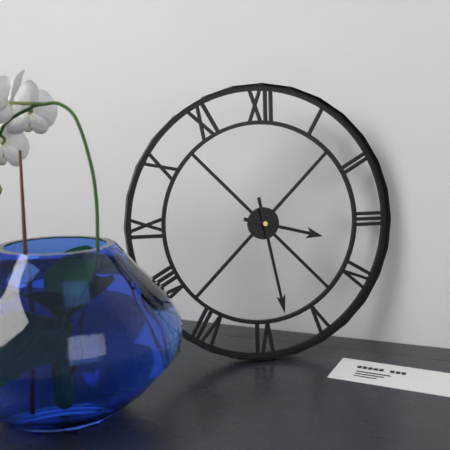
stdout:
3h28
